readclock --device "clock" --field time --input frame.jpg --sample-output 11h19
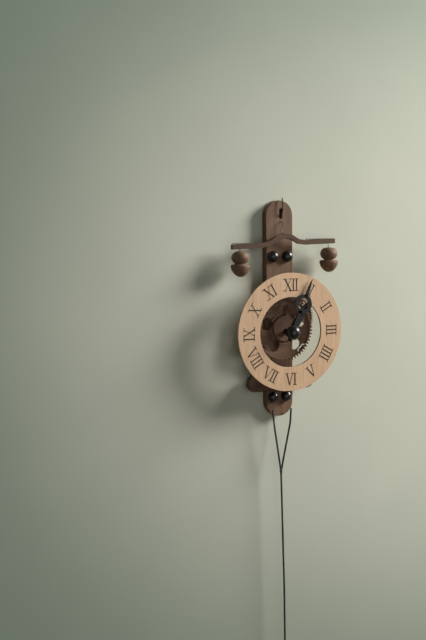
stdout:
1h04
